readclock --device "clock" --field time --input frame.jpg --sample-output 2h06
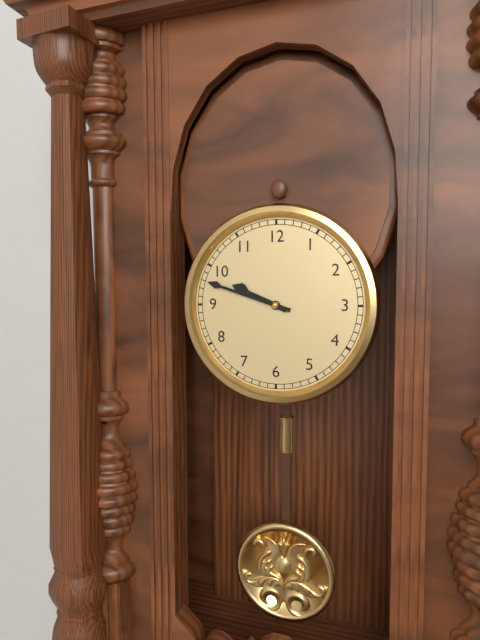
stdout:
9h48
